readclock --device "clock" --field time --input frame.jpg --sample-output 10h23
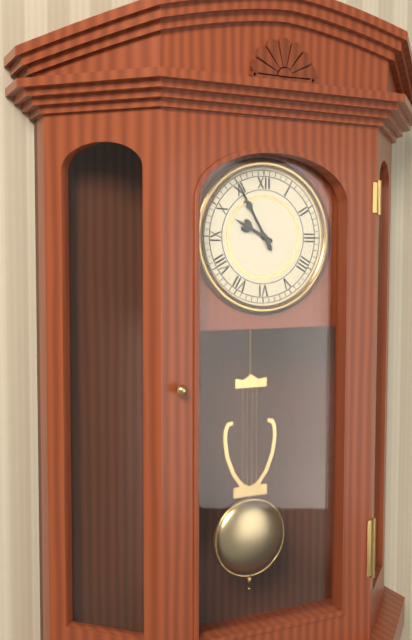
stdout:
9h55
